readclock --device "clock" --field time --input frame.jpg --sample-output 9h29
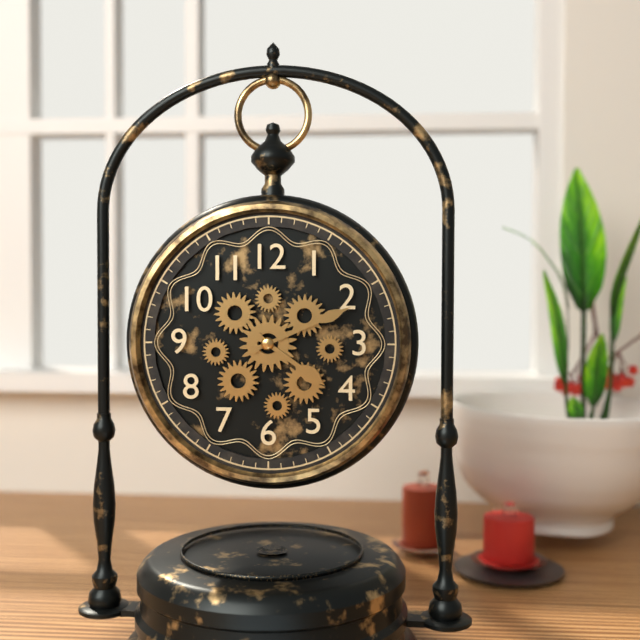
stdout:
4h11
